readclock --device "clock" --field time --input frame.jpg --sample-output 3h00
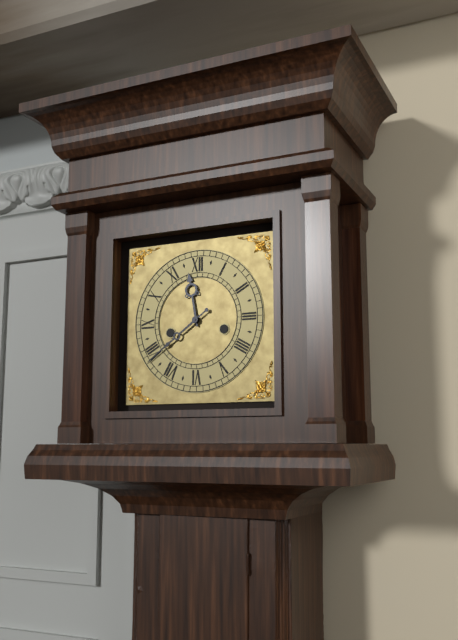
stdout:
11h39
